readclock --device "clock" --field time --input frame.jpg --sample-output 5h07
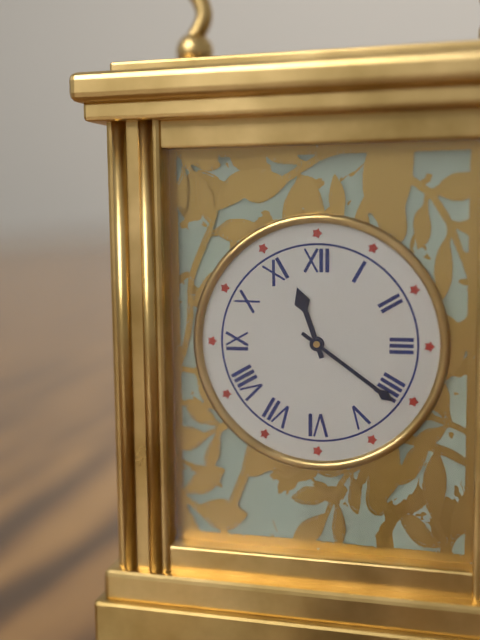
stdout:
11h21
